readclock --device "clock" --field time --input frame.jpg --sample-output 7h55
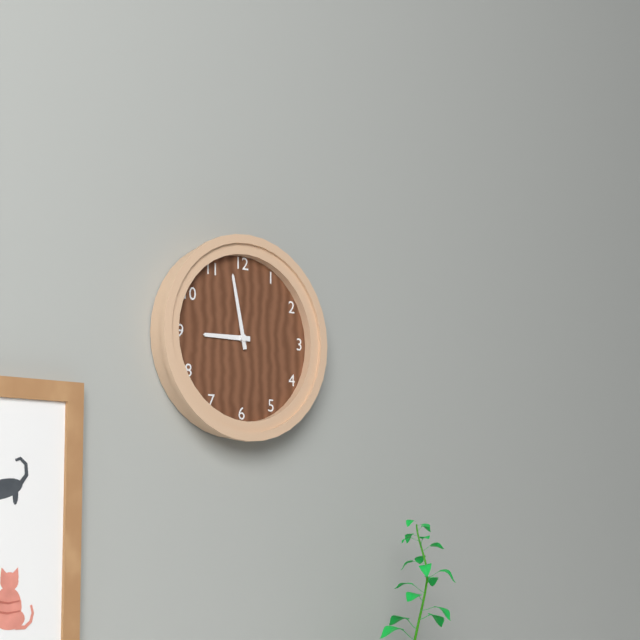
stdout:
8h58
